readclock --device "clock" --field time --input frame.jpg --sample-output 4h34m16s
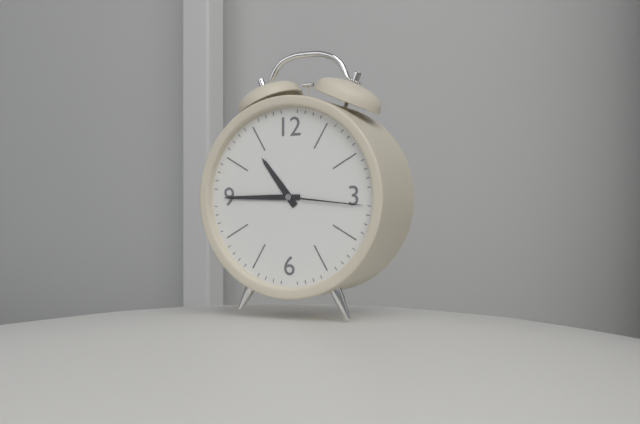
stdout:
10h45m16s
